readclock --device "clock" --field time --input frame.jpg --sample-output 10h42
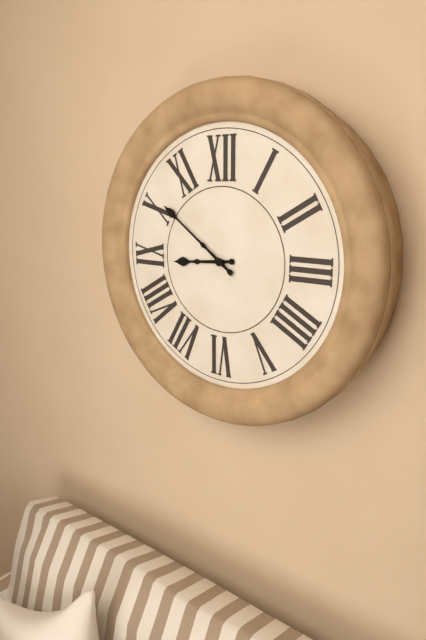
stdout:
8h51
